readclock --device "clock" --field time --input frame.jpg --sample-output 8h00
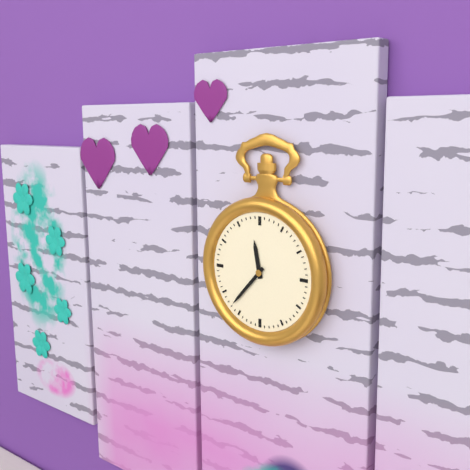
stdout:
11h37
